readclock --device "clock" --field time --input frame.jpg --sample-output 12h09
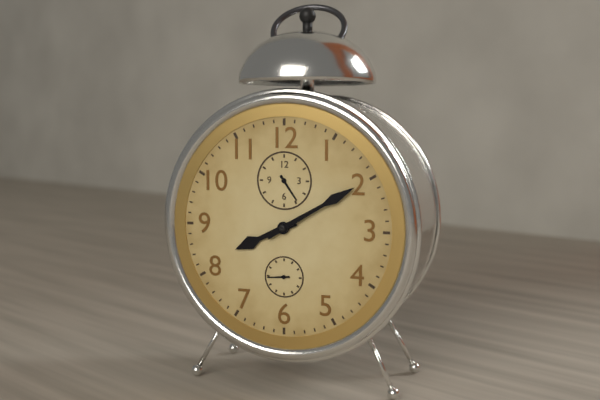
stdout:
8h10
